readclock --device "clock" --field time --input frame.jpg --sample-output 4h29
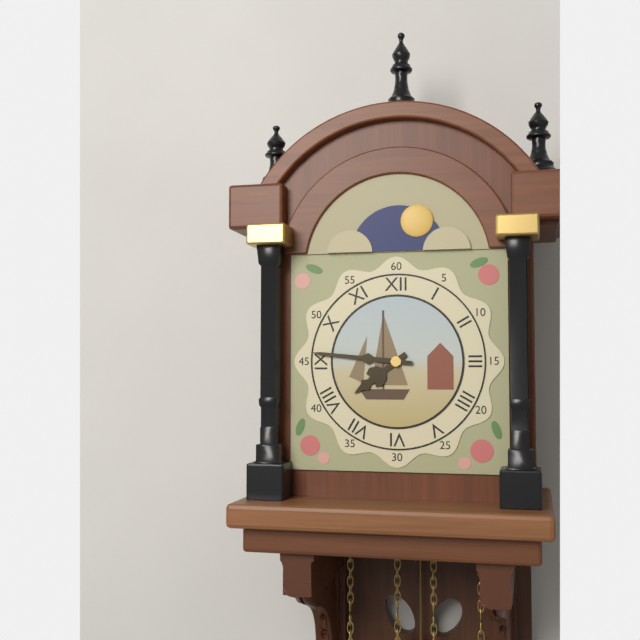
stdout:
7h46
